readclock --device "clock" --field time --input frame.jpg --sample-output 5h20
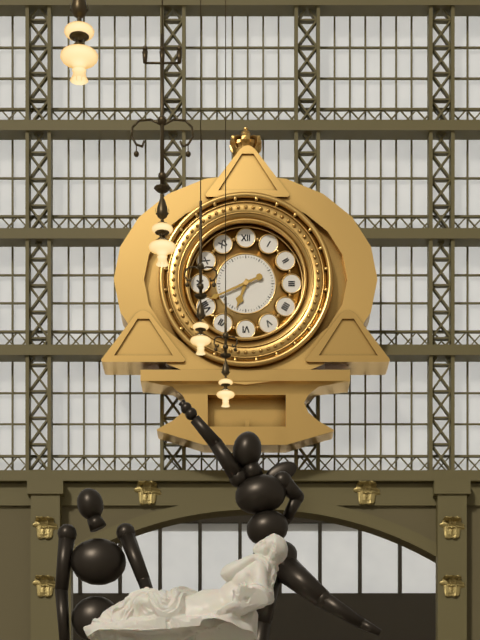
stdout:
6h41
